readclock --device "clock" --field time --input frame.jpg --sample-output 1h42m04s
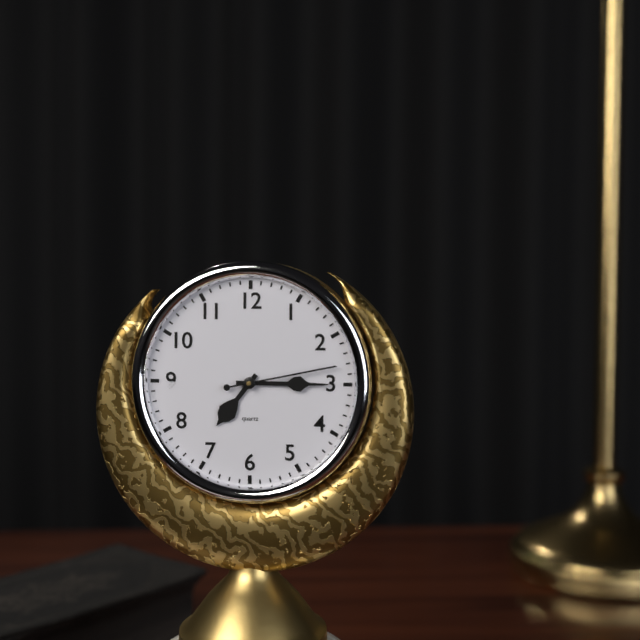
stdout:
7h15m13s
